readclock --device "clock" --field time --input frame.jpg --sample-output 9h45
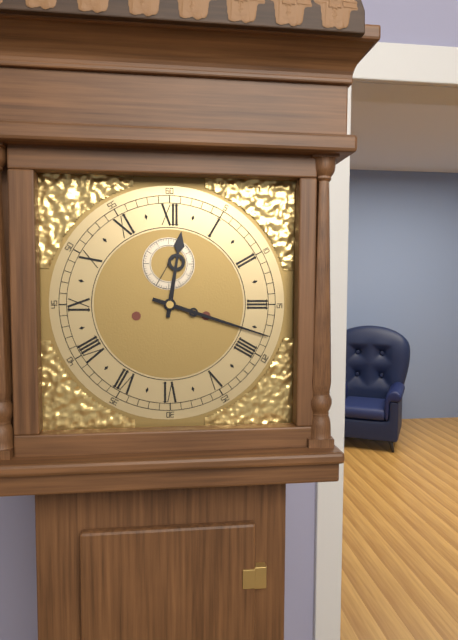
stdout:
12h18
